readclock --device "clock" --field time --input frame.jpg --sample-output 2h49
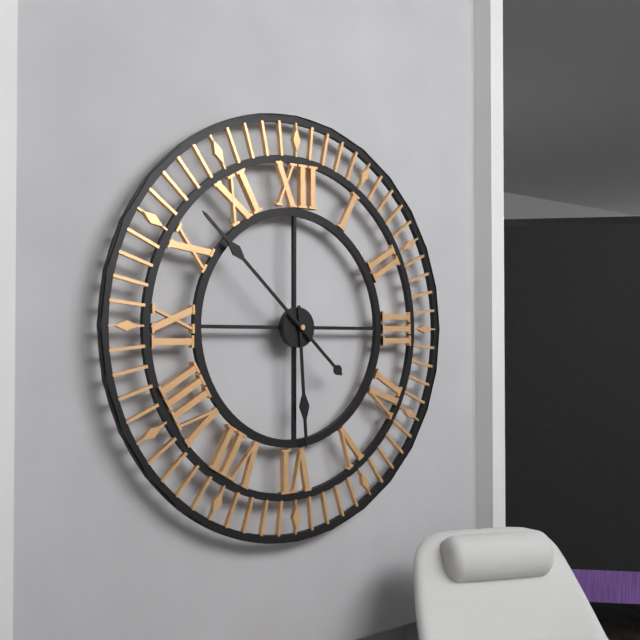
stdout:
5h52
